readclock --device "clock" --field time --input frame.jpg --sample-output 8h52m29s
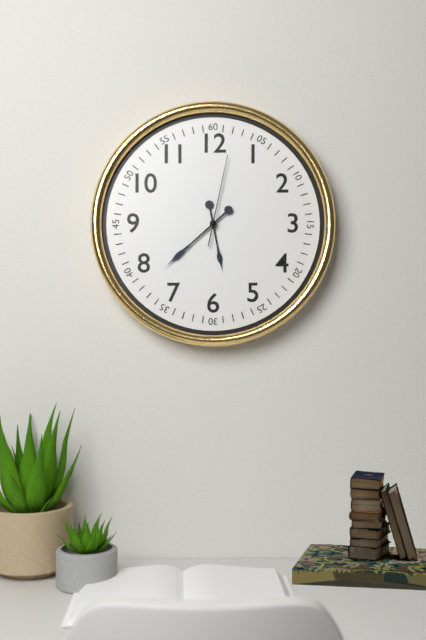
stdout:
5h38m02s
